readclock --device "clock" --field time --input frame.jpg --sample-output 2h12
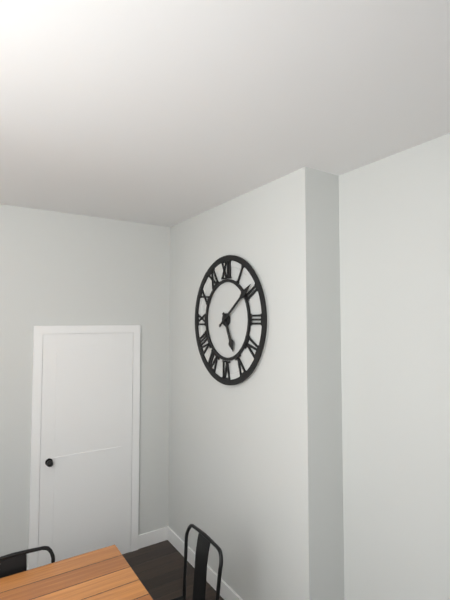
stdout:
5h09
